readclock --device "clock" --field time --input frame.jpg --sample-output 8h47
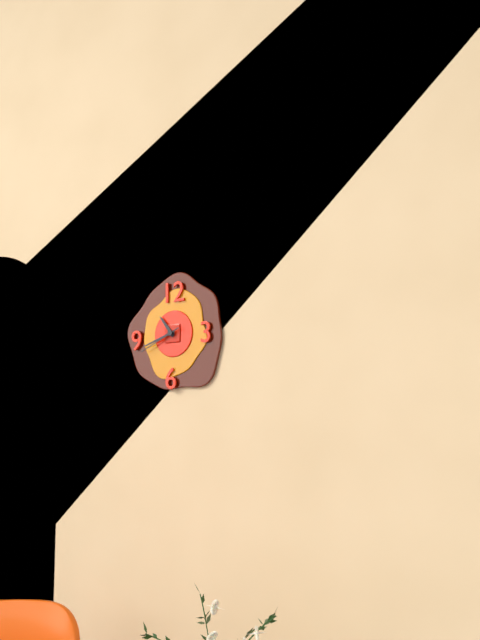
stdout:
10h42
